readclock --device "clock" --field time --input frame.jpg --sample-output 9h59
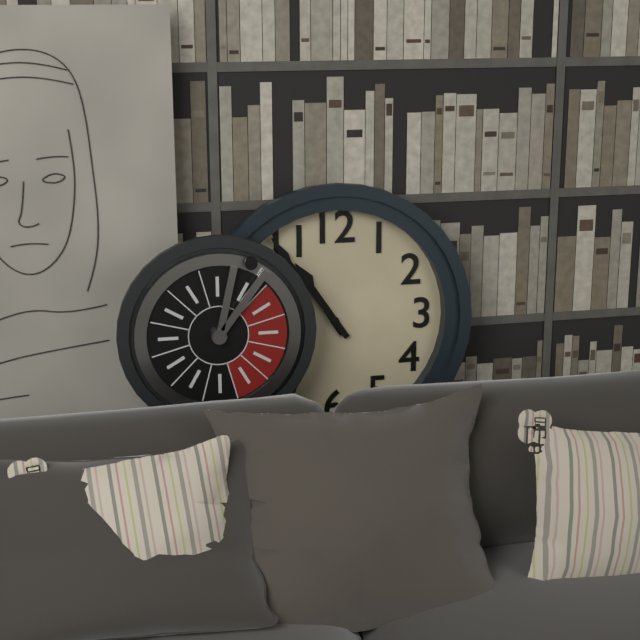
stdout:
10h54
